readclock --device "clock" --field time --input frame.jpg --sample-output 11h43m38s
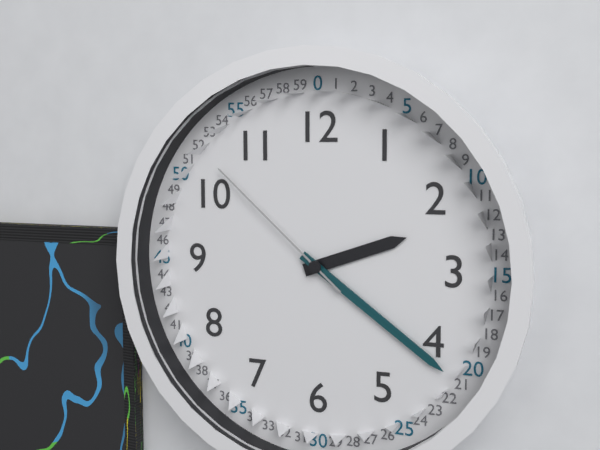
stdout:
2h21m52s
